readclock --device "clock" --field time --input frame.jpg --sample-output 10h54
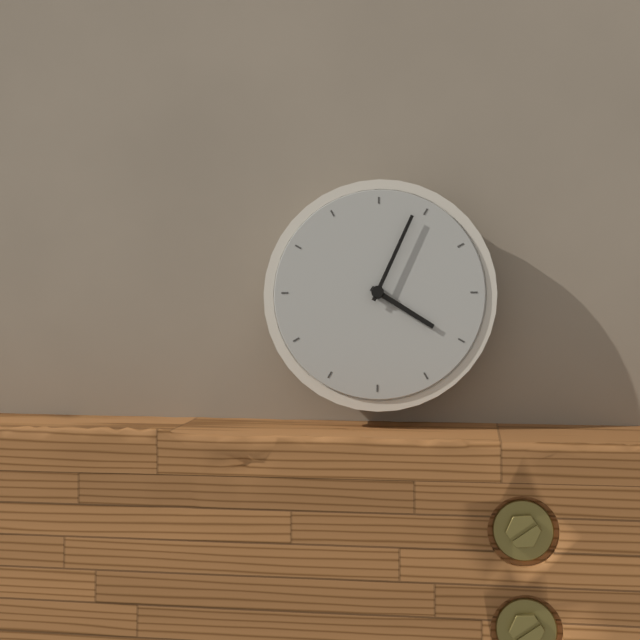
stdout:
4h04
